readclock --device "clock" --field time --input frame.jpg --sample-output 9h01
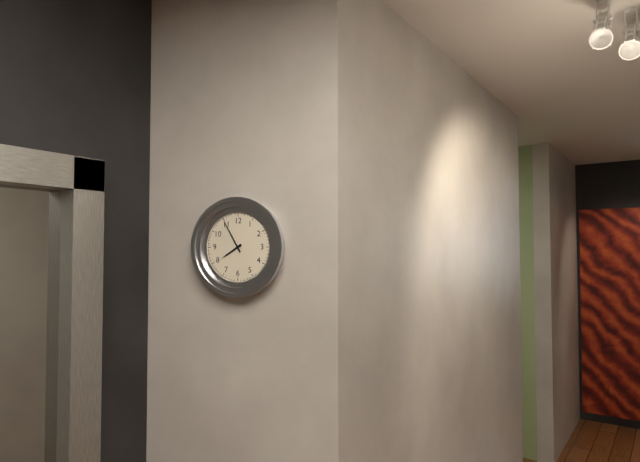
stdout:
7h55
